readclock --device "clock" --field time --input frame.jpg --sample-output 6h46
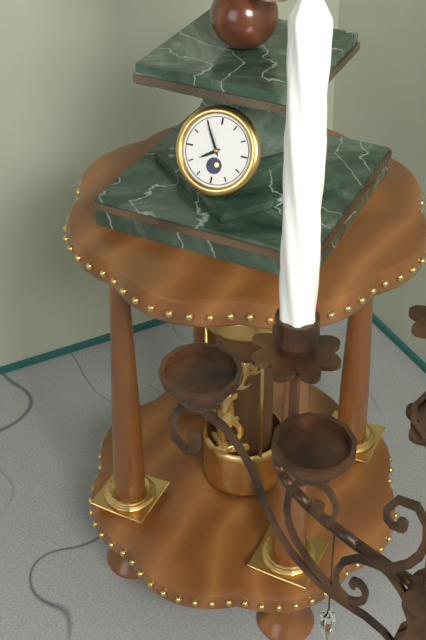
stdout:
7h55
